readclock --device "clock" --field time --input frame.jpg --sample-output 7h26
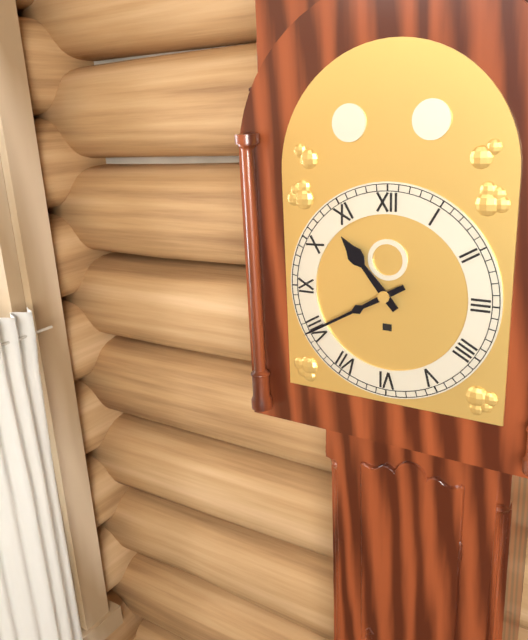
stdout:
10h40
